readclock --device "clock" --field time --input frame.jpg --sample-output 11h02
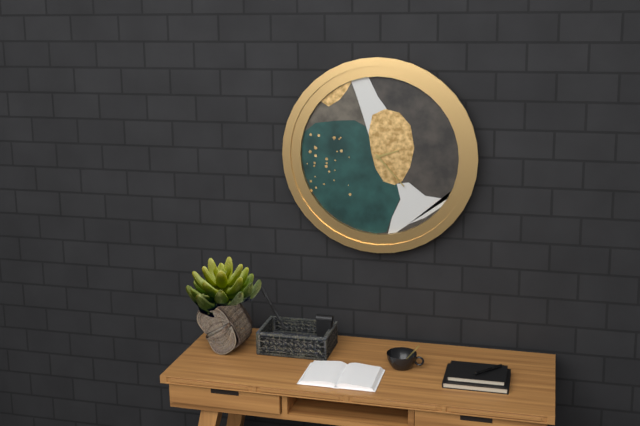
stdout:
2h23
